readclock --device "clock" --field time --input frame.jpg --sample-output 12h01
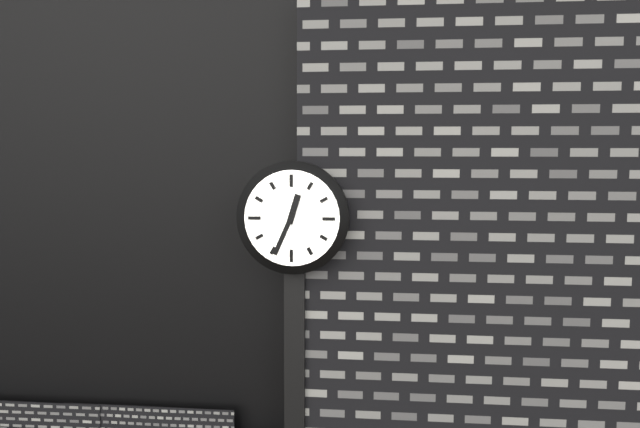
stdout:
12h34
